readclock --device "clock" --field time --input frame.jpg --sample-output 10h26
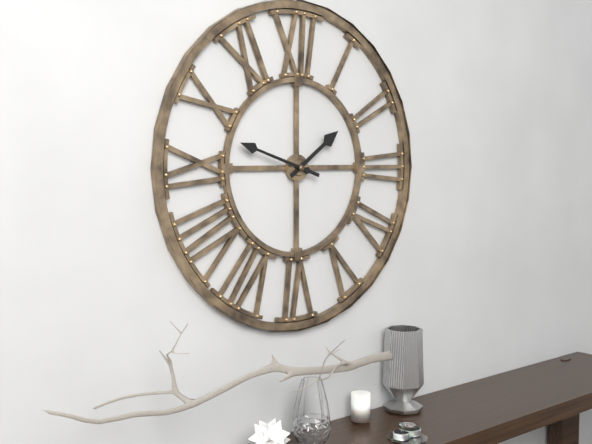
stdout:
1h48
